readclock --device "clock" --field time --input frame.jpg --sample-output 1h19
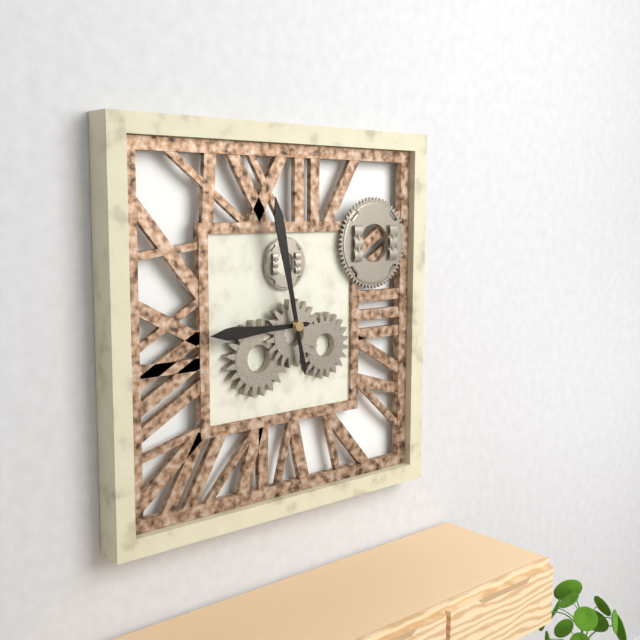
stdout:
8h58
